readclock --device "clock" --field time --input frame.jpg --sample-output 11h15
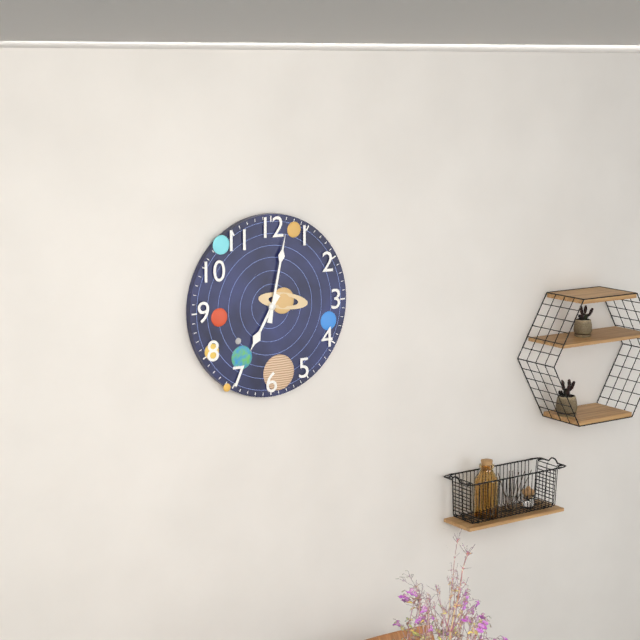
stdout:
7h02
